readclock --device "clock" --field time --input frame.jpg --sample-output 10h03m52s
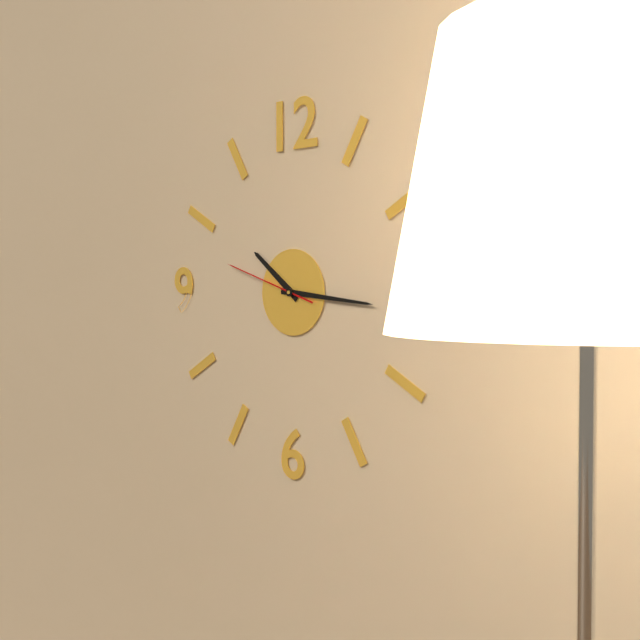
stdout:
10h16m48s
